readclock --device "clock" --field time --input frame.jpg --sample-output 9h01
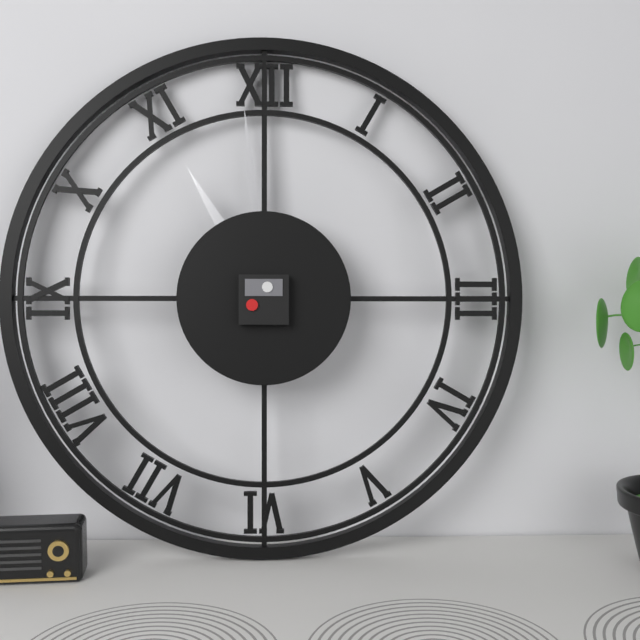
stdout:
10h59
